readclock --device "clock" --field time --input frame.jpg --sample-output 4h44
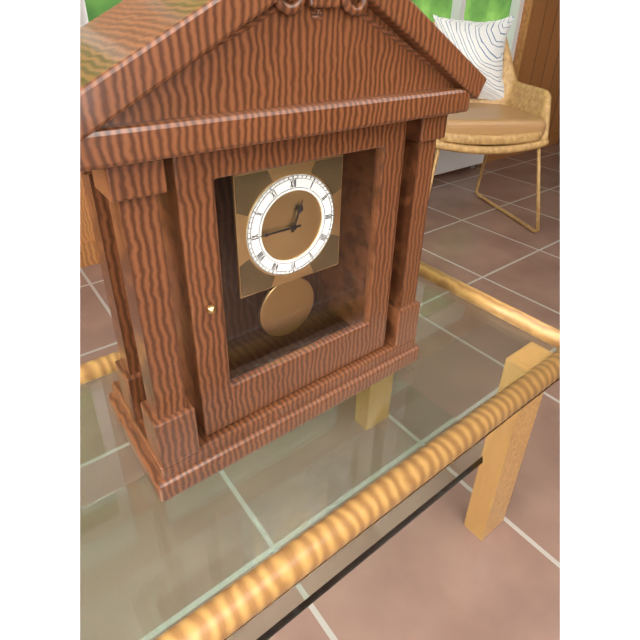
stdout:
12h45
